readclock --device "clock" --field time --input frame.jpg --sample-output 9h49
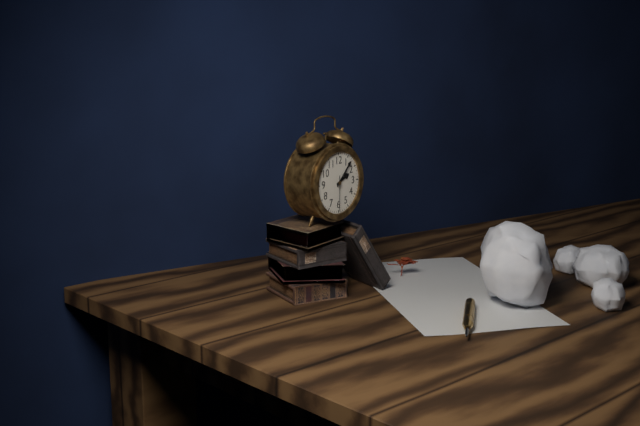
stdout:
2h07
